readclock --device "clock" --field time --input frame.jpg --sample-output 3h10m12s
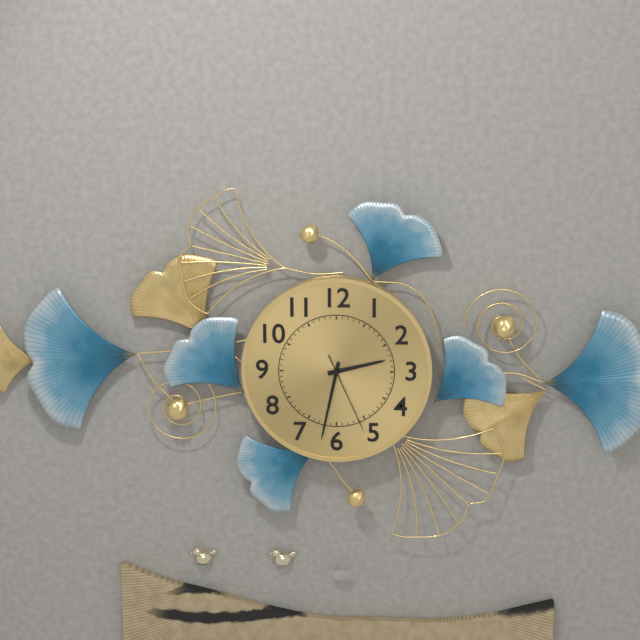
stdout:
2h32m26s
